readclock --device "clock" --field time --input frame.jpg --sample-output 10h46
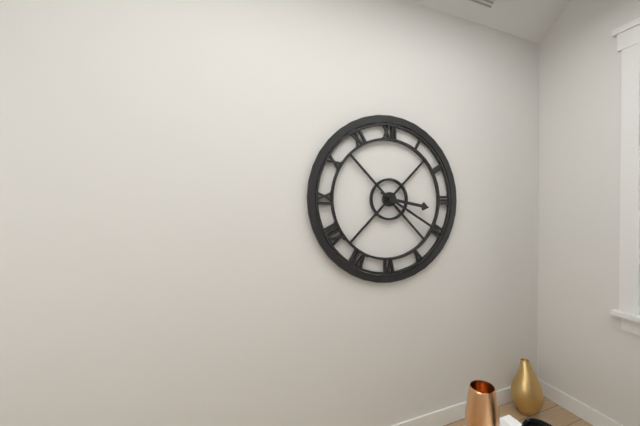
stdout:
3h20
